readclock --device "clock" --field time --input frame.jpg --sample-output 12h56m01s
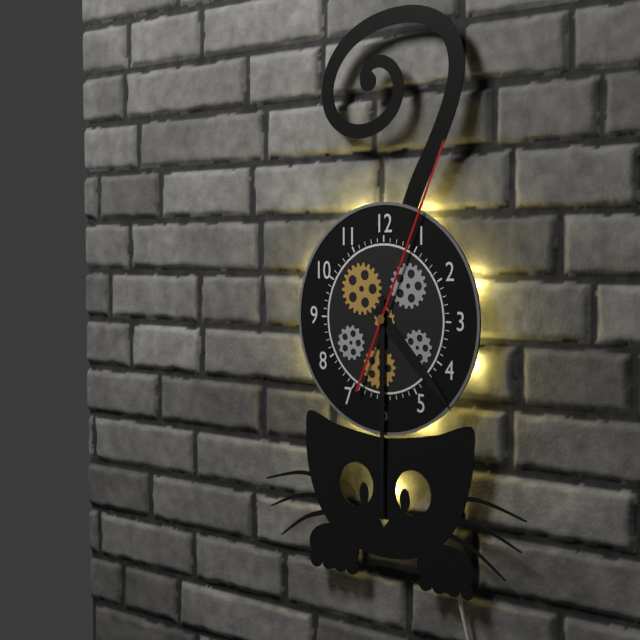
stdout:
4h30m04s
